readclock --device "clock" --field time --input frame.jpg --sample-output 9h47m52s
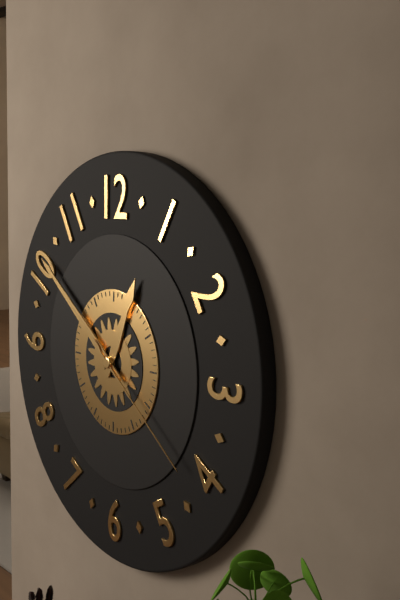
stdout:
12h51m21s
